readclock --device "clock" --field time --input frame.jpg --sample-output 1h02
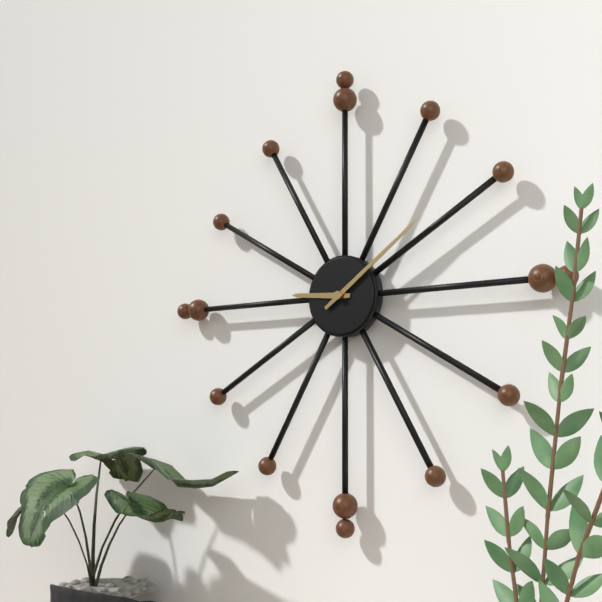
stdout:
9h09
